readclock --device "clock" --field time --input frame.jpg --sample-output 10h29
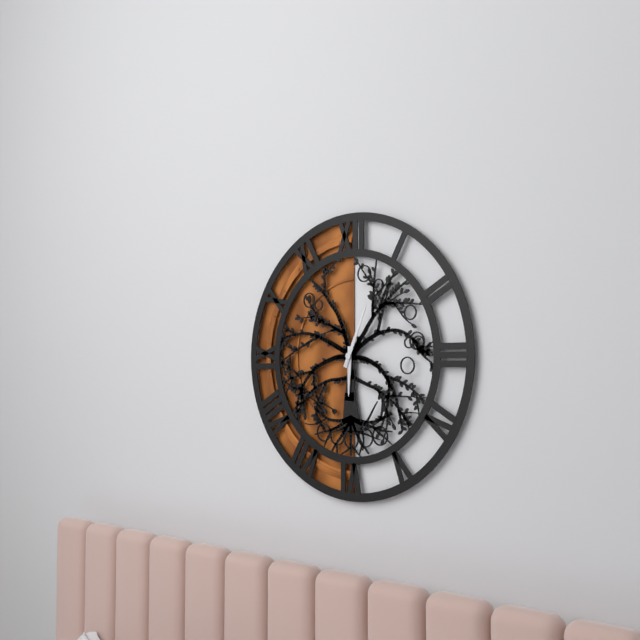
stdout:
6h04
